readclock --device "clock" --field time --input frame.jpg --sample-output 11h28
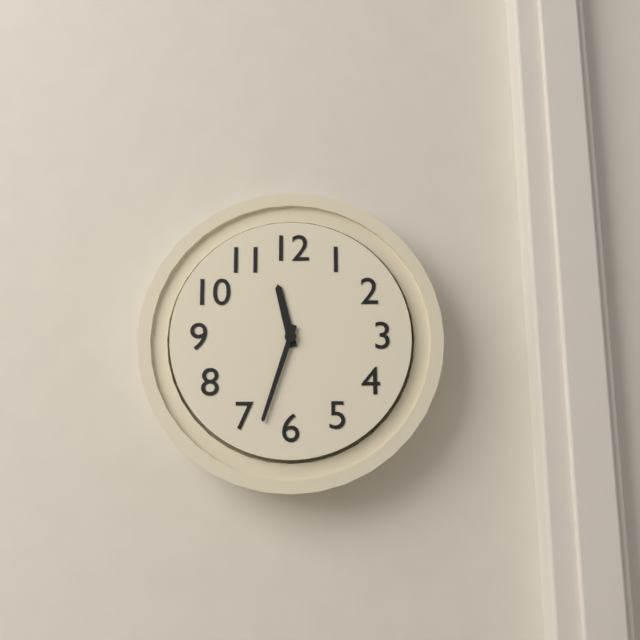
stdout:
11h33
